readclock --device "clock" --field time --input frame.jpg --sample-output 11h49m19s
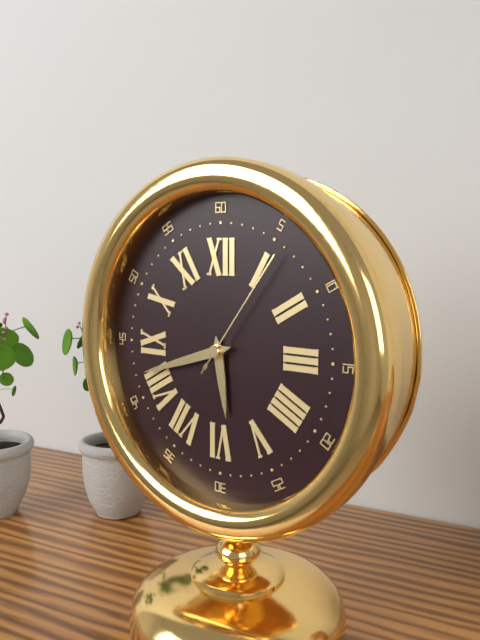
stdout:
5h42m06s
